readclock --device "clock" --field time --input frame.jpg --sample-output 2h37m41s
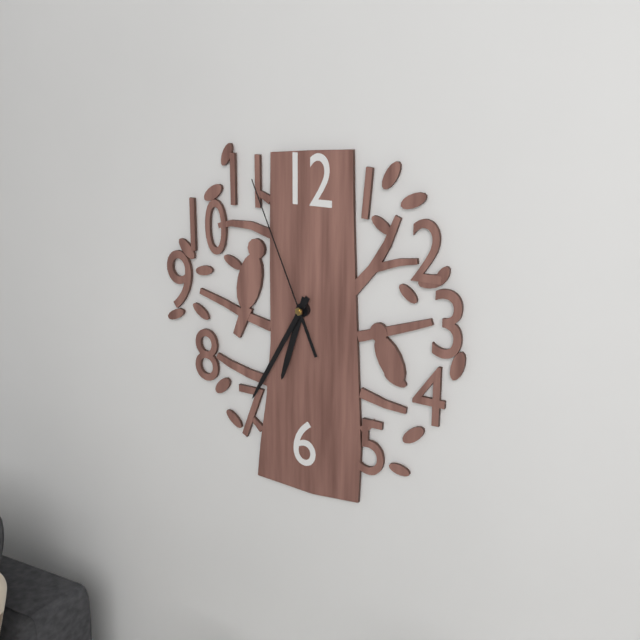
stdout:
6h35m56s
